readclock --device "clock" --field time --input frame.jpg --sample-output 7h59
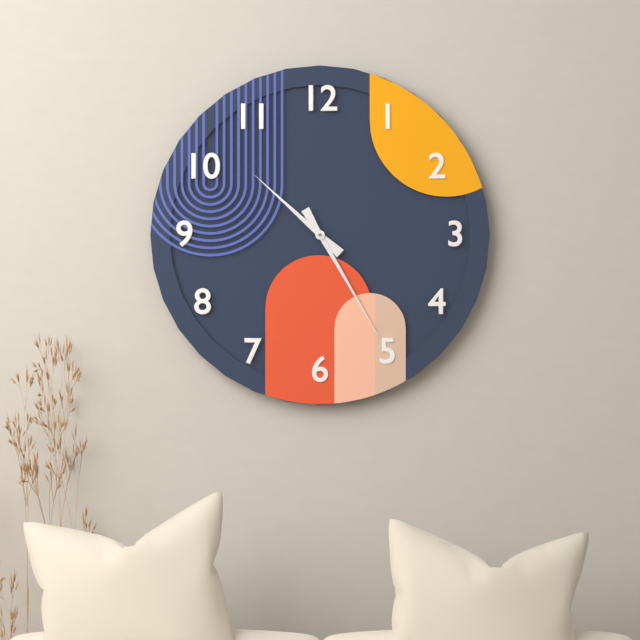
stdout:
10h25
